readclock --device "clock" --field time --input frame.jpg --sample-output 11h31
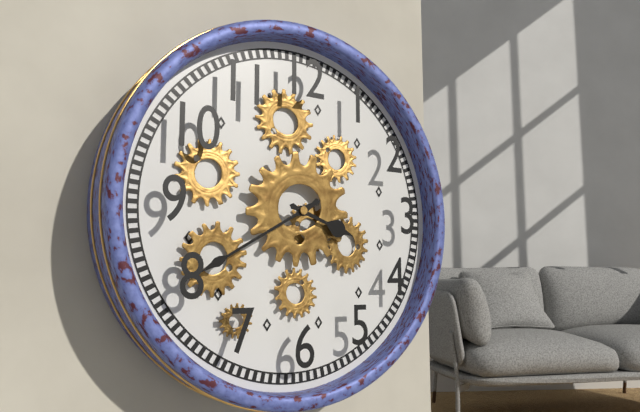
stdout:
3h40
